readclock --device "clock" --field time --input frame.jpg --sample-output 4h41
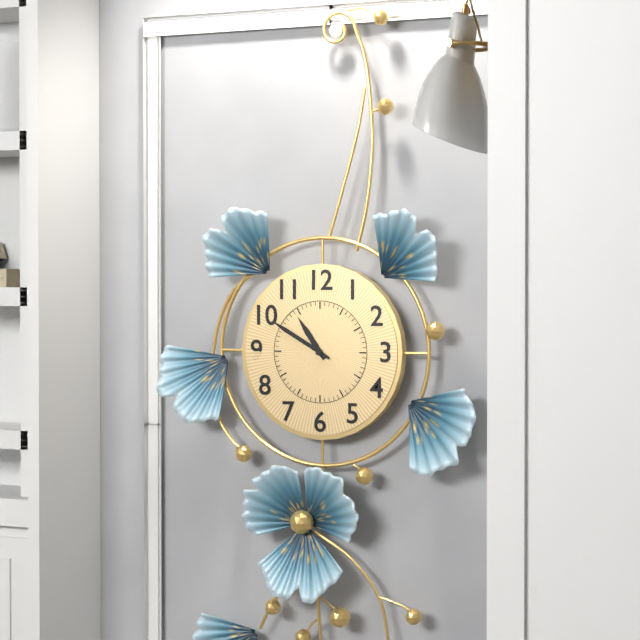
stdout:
10h50
